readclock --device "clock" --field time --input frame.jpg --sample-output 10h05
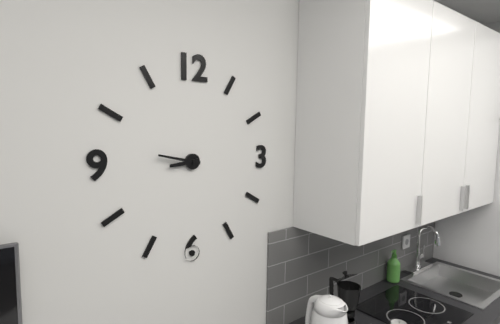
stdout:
8h47
